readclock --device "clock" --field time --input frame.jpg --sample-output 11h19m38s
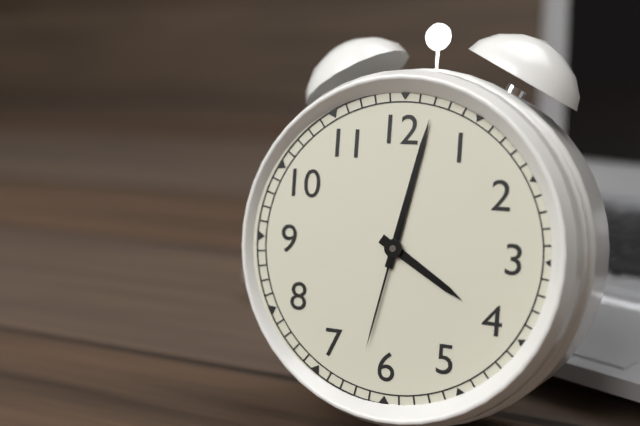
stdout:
4h02m32s
